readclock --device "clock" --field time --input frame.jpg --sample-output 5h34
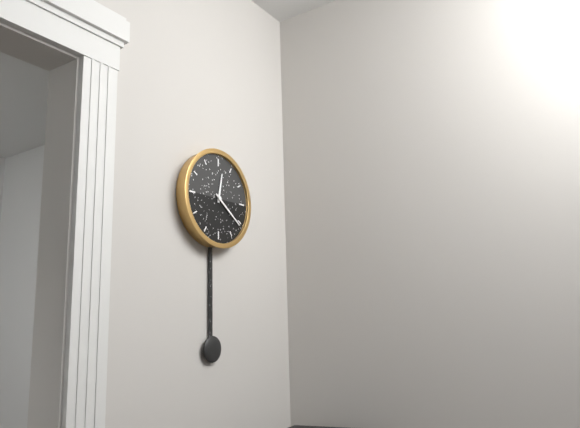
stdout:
12h21
